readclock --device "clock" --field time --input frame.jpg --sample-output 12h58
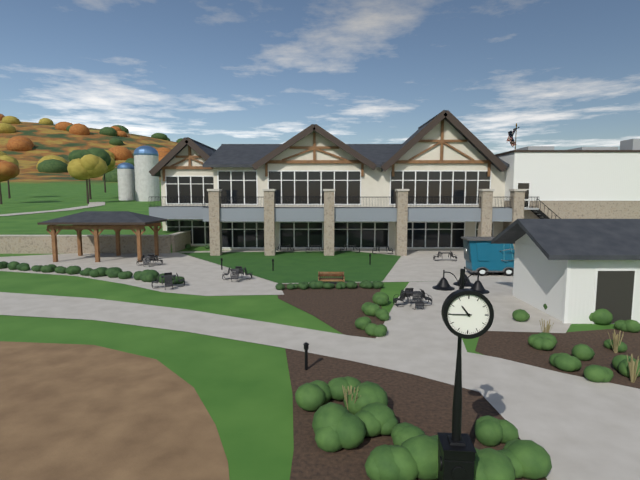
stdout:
10h45
